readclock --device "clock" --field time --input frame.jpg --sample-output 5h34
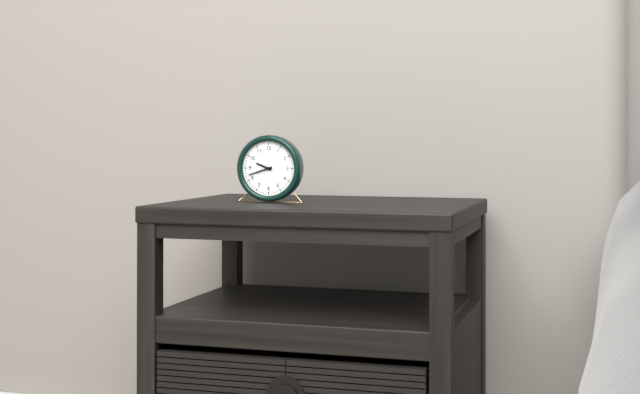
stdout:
9h42
